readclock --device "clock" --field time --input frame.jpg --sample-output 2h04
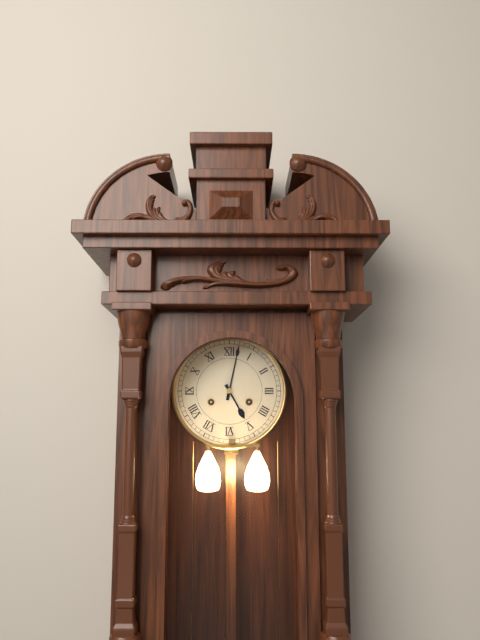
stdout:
5h02
